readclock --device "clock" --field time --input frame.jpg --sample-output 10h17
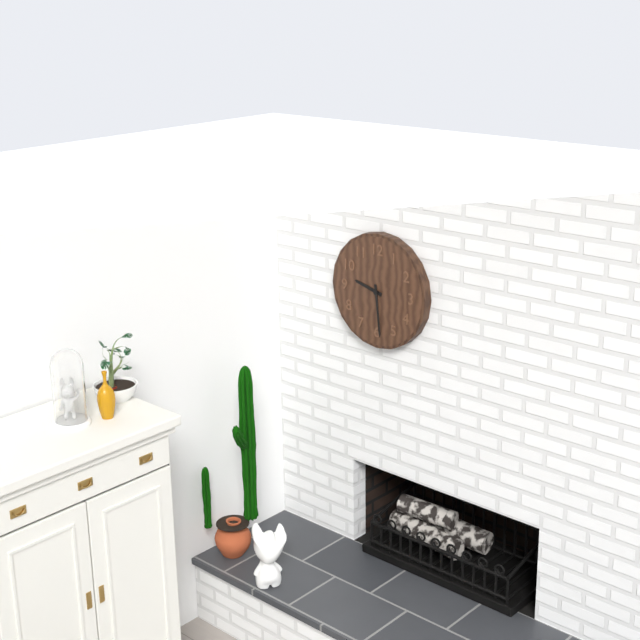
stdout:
9h29
